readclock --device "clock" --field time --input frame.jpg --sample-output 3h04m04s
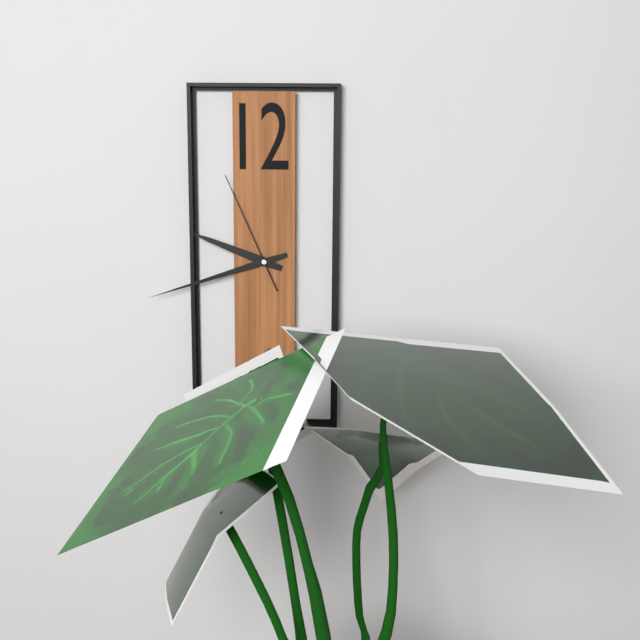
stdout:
9h42m56s
